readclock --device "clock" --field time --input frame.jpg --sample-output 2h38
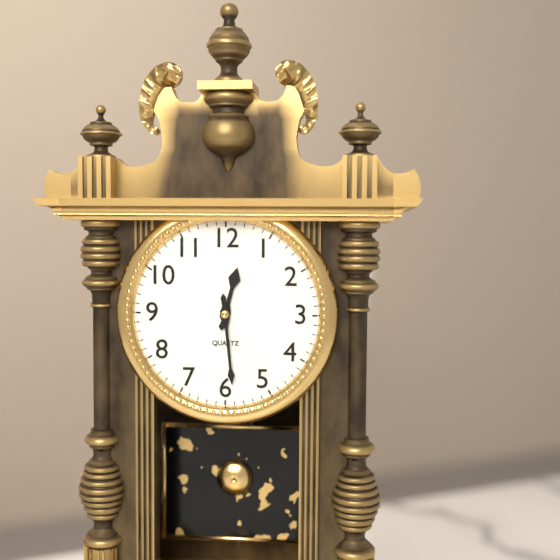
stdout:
12h29
